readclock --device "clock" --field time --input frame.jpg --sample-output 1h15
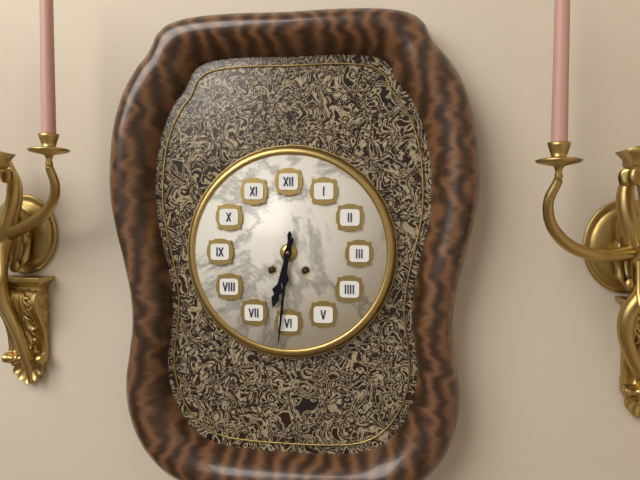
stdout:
6h31
